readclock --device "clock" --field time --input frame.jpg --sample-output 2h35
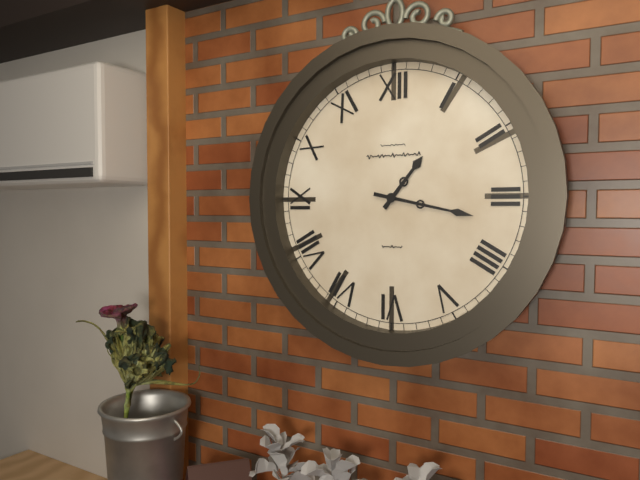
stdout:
1h17
